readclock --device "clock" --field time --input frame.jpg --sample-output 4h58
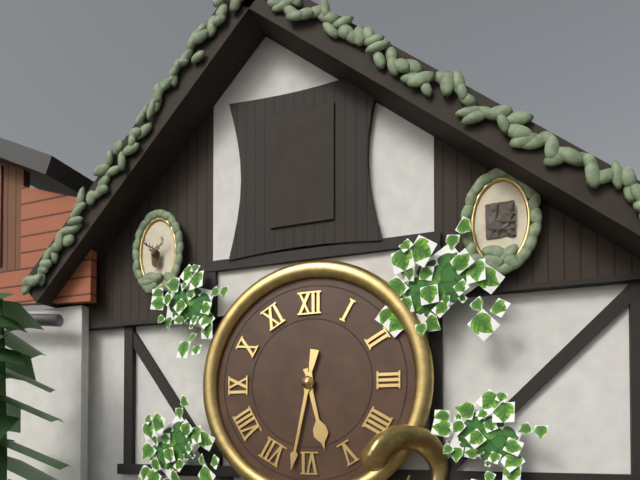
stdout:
5h32
